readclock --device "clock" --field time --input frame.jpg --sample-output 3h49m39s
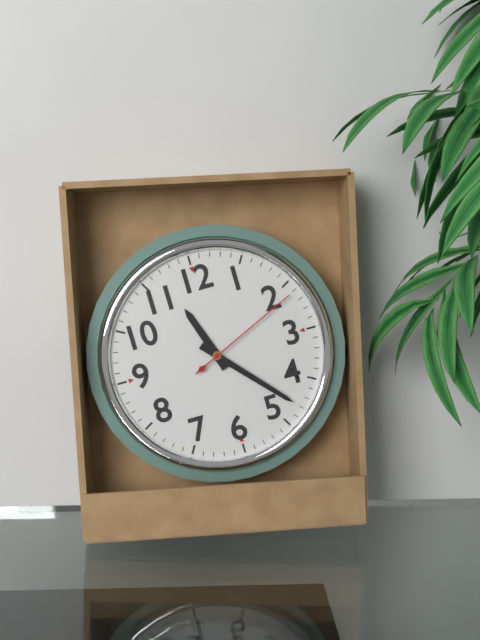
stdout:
11h23m11s
